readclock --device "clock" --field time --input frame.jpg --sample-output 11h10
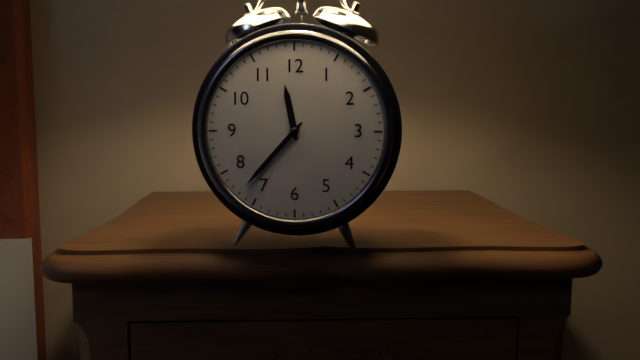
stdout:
11h37
